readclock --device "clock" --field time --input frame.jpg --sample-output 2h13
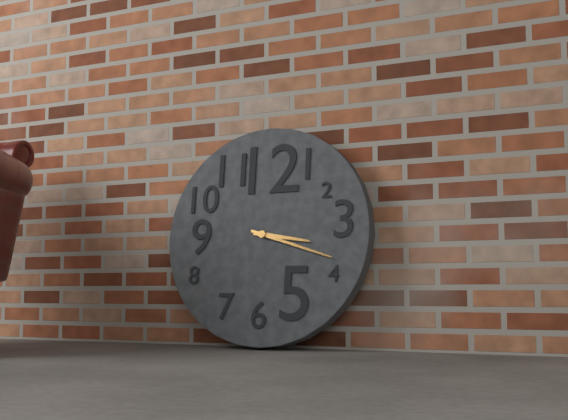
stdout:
3h18
